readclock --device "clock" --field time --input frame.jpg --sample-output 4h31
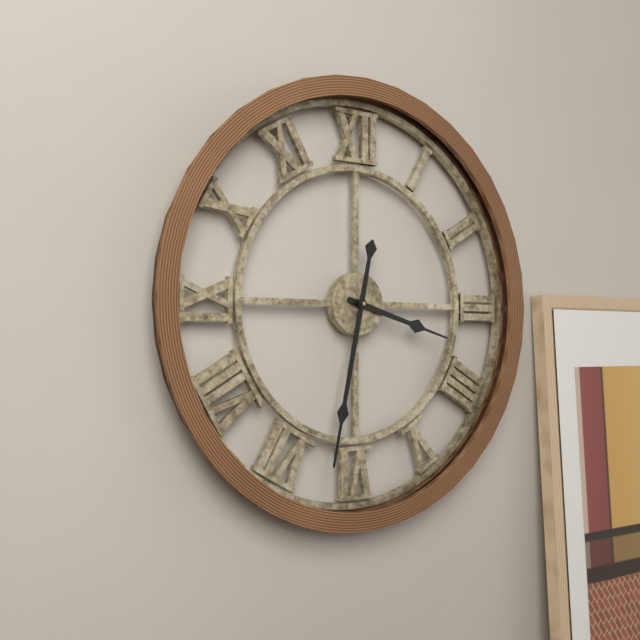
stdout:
3h32
